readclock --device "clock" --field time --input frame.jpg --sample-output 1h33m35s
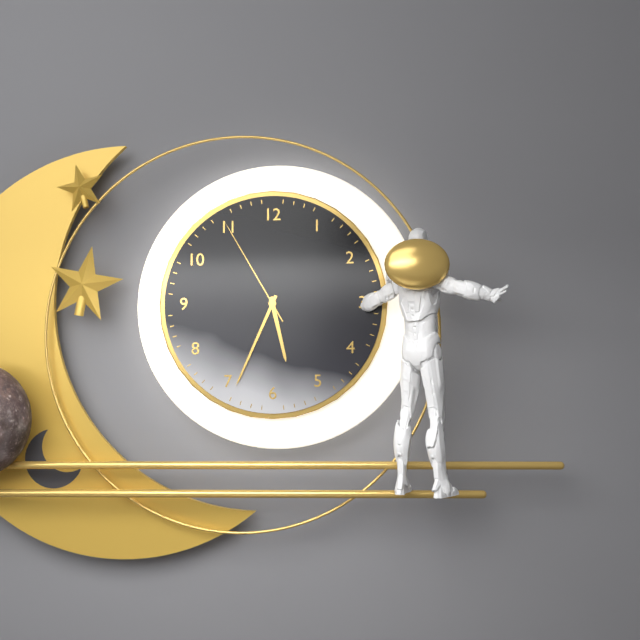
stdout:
5h34m55s
